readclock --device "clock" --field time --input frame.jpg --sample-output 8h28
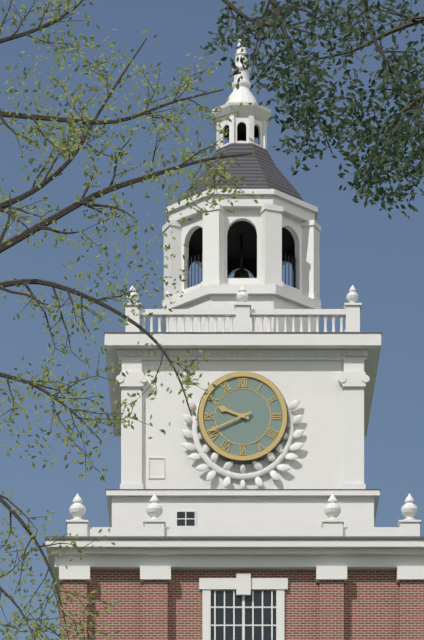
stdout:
9h41
